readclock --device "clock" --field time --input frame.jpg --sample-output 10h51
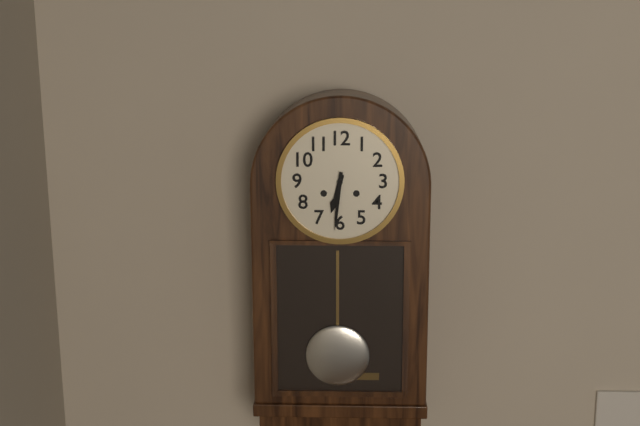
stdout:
6h31
